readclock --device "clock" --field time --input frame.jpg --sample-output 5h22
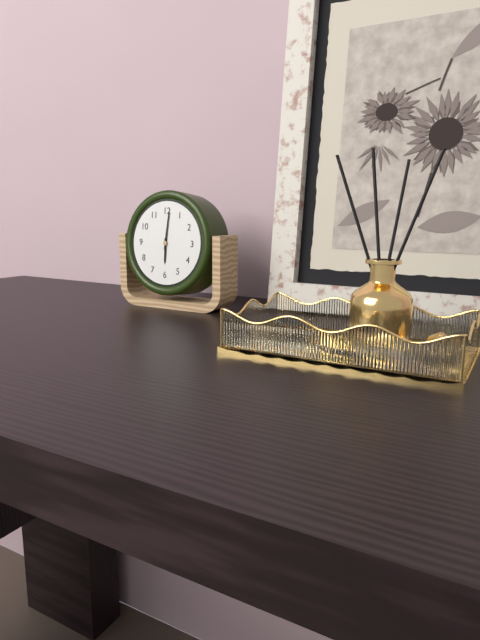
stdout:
6h01
